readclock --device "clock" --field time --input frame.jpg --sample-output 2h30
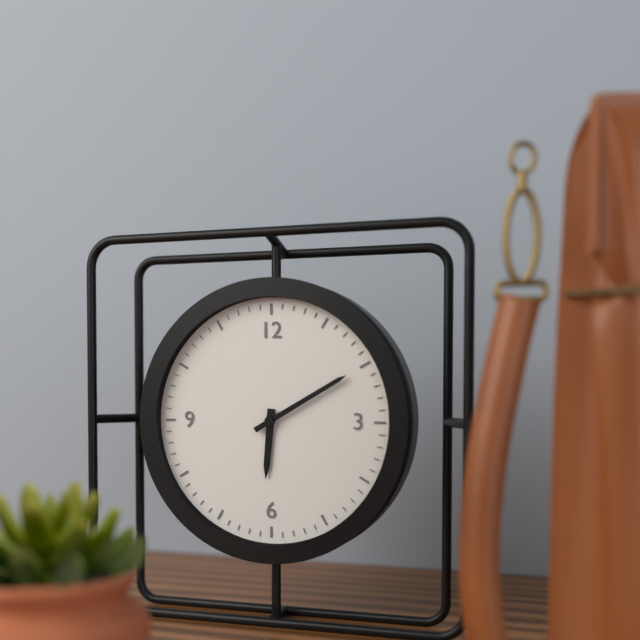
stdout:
6h10
